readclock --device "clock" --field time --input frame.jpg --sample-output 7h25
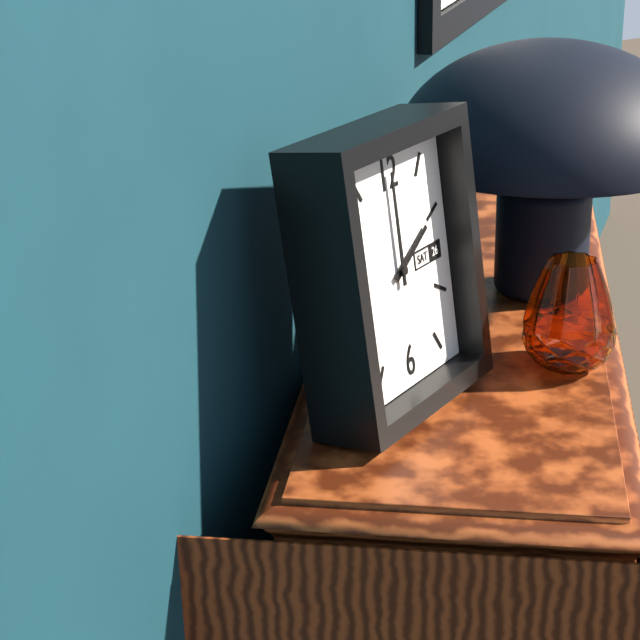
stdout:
2h00
